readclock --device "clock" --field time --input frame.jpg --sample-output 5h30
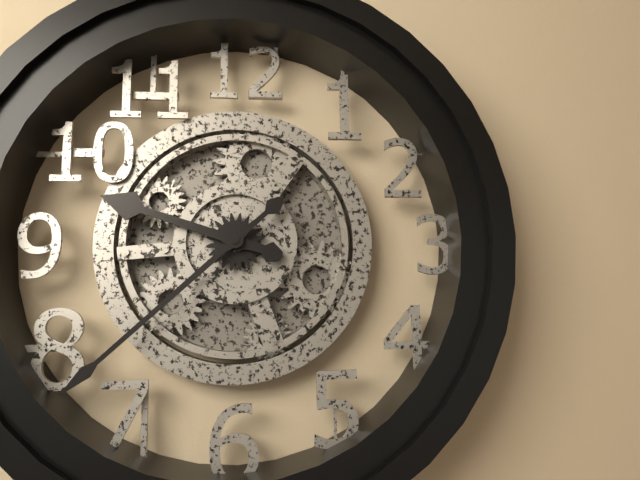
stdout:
9h38
